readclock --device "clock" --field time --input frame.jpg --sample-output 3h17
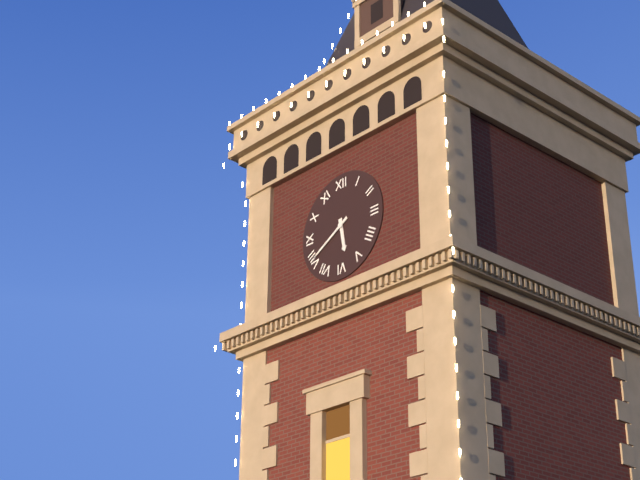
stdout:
5h40
